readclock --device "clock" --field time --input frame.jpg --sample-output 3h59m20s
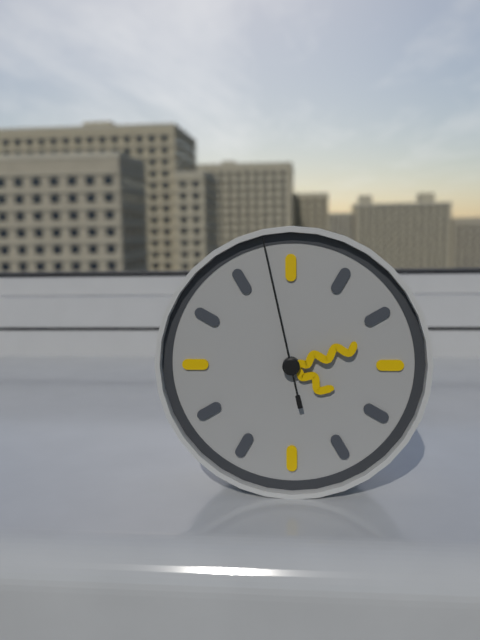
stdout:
4h12m58s
